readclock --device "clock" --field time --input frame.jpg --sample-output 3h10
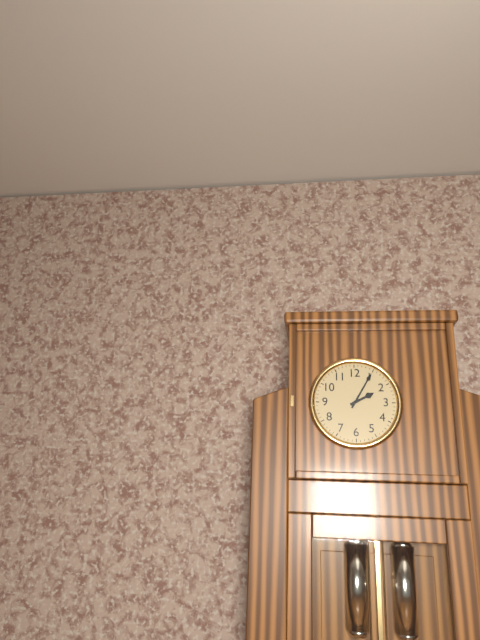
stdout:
2h05
